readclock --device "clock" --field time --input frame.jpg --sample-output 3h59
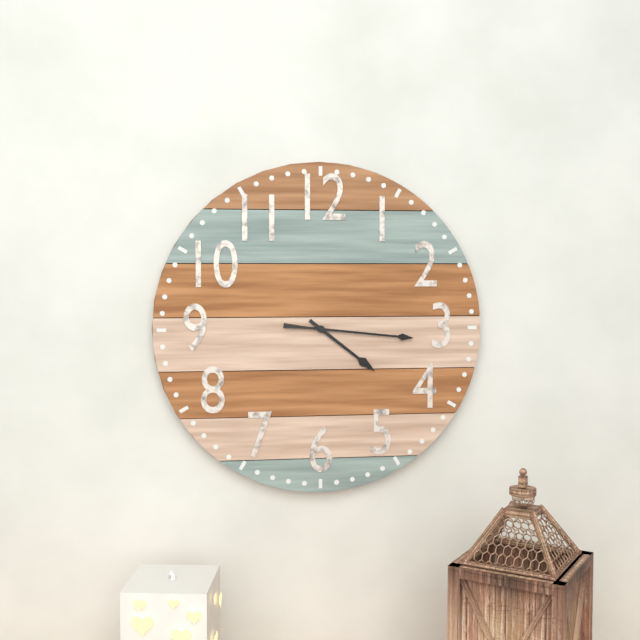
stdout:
4h16
